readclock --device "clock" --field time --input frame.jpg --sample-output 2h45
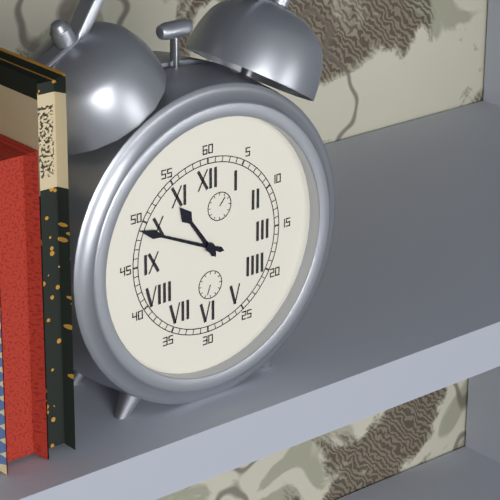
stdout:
10h49
